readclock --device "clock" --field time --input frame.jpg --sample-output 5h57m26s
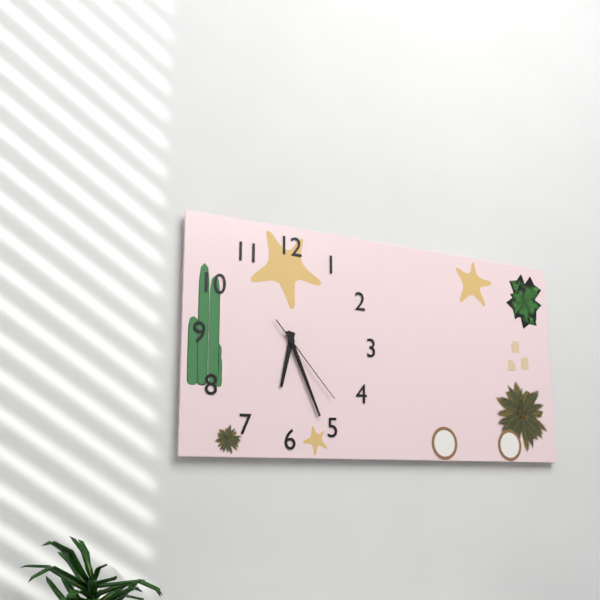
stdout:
6h26m23s
